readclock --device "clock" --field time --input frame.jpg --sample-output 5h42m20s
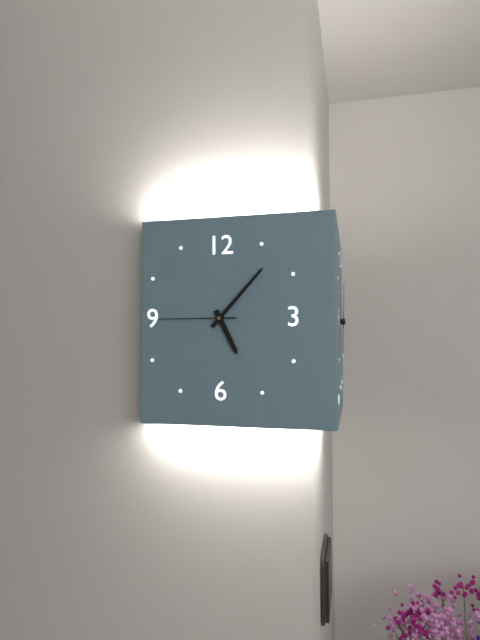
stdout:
5h07m45s
